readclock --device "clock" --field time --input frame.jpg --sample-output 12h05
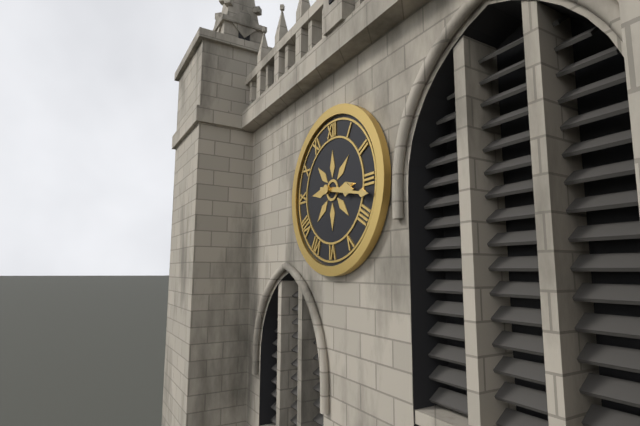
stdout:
3h17
